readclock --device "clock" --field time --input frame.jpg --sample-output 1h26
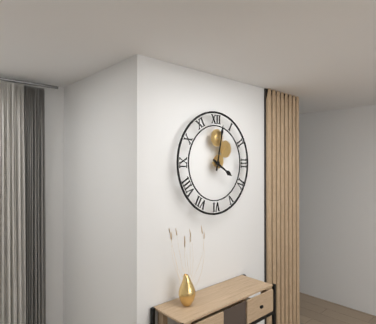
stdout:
4h02
